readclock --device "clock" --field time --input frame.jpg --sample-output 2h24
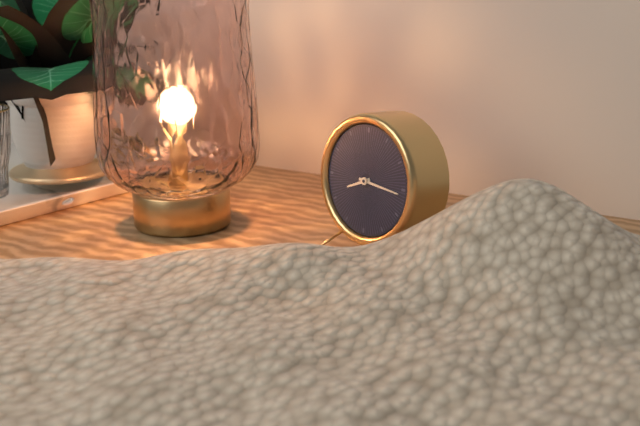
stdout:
8h16
